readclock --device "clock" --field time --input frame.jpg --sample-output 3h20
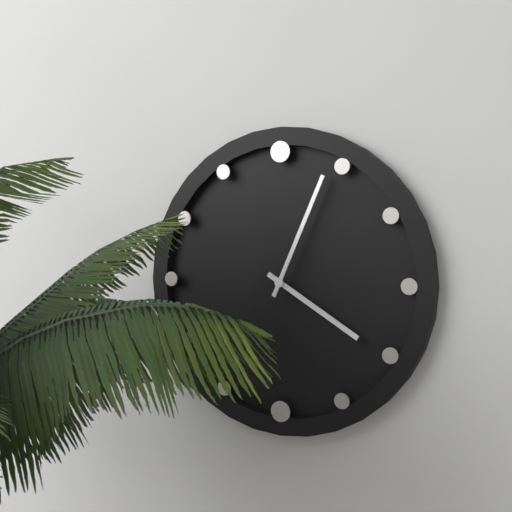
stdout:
4h04
